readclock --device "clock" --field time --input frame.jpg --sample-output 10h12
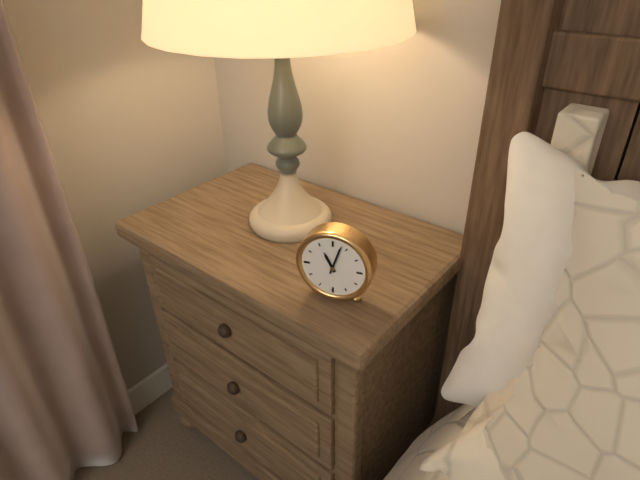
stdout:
11h03
